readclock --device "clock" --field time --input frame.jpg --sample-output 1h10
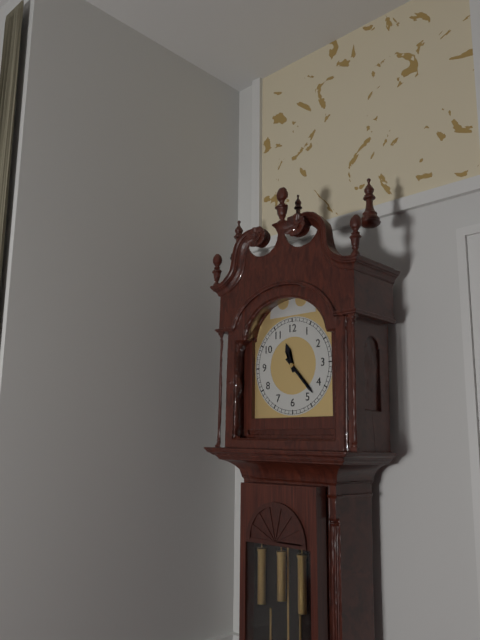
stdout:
11h23
